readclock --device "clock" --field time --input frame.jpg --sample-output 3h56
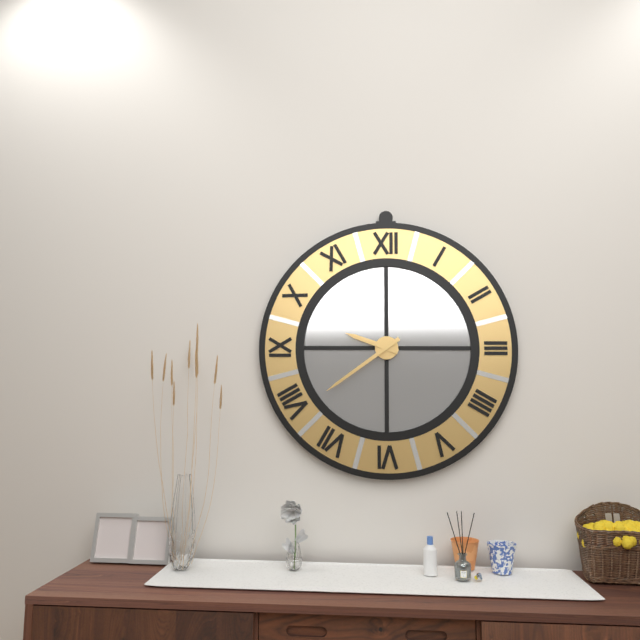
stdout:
9h39
